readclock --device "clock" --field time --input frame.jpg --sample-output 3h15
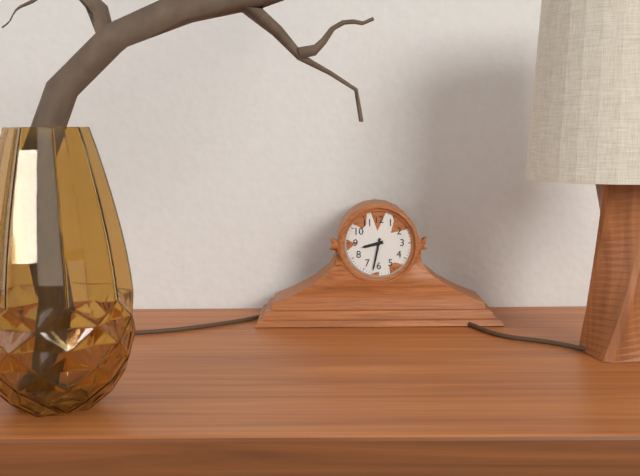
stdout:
8h32
